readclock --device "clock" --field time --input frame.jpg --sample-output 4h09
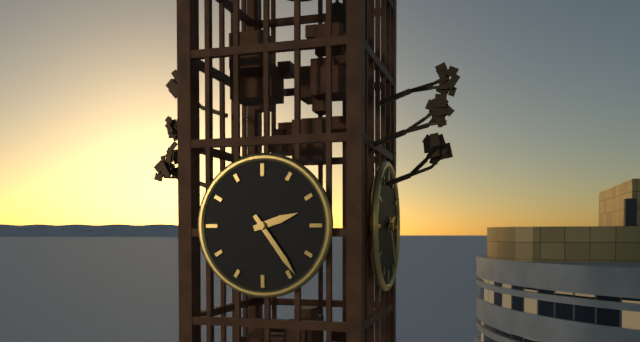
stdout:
2h24
